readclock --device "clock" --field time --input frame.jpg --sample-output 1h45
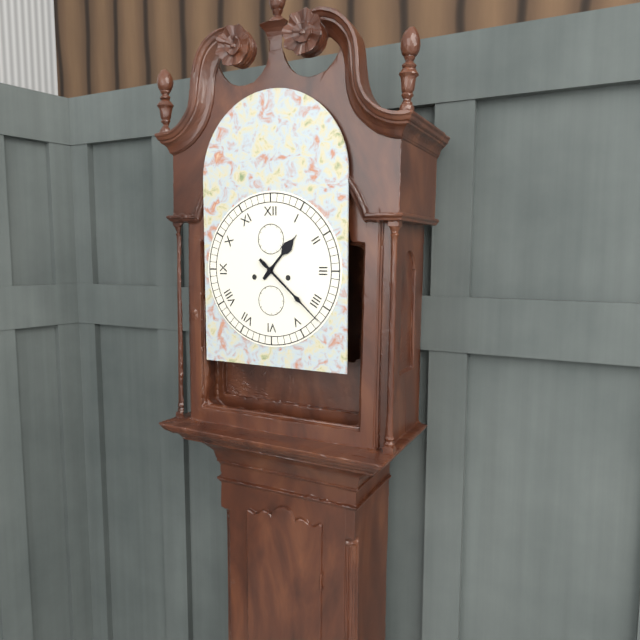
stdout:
1h22
